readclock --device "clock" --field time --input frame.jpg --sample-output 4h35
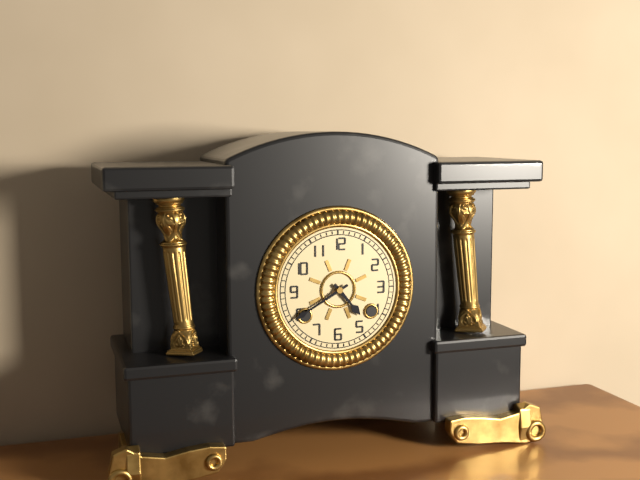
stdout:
4h40
